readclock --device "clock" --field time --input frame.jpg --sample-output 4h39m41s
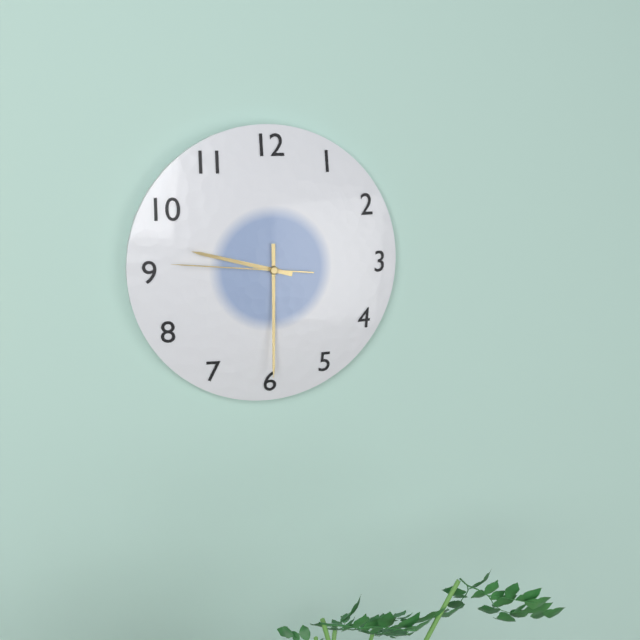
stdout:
9h30m46s
